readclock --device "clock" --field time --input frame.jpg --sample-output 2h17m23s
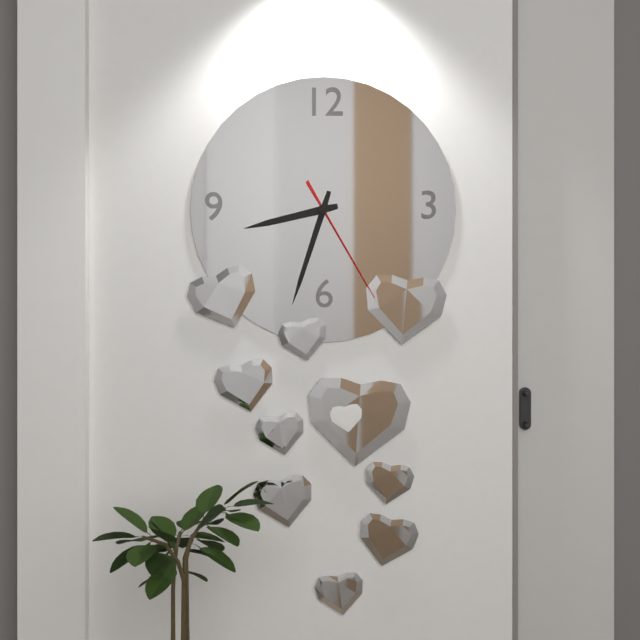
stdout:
8h33m25s
